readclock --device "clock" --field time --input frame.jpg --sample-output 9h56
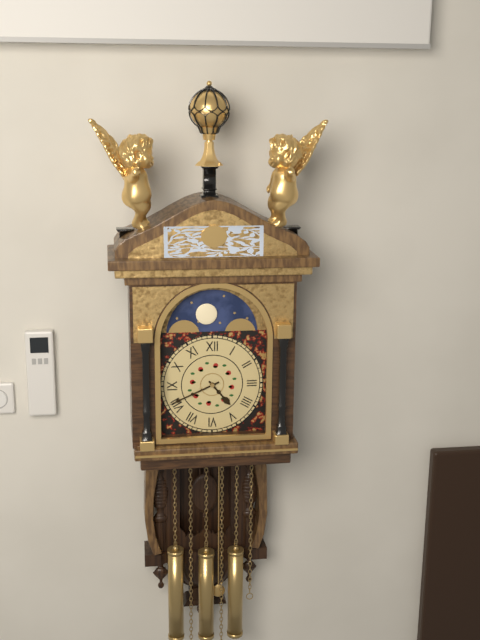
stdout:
4h41
